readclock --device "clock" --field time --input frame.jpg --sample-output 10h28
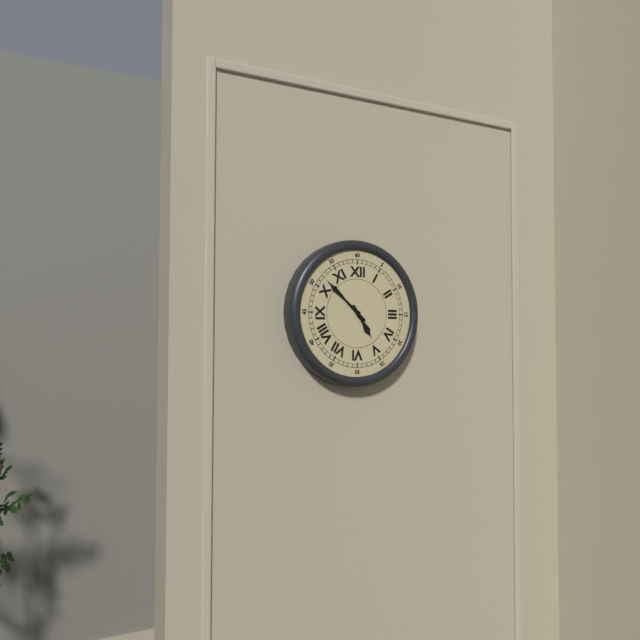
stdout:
4h52
